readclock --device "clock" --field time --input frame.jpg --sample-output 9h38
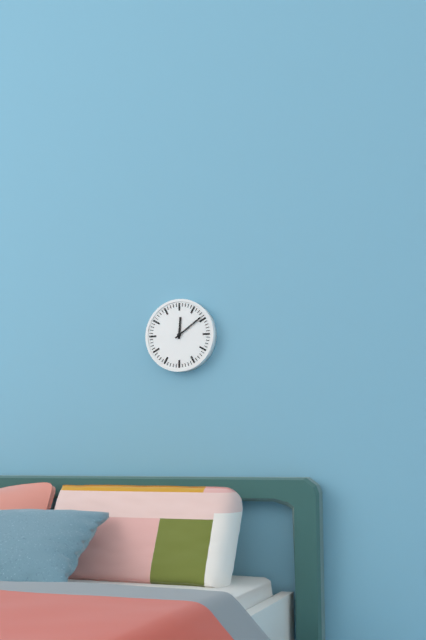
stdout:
12h09
